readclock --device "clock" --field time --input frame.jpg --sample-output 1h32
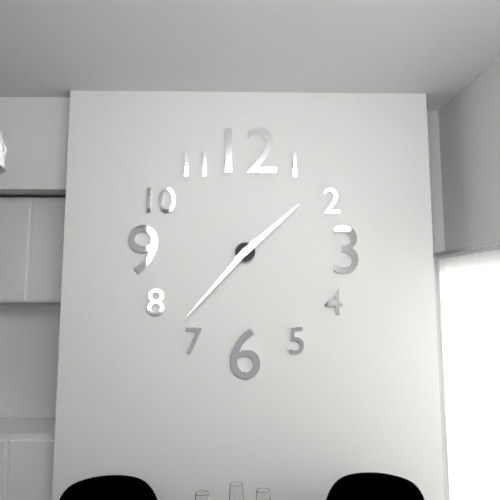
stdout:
1h37
